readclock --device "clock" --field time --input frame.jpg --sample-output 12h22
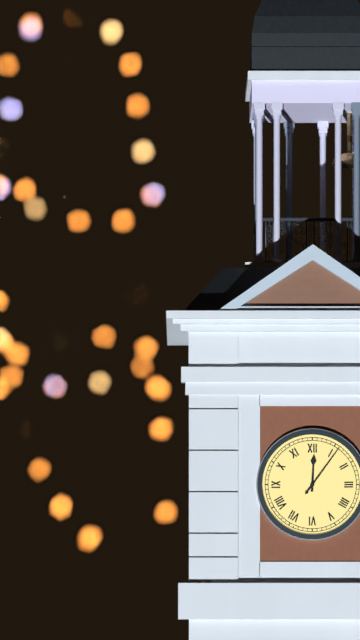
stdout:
12h06
